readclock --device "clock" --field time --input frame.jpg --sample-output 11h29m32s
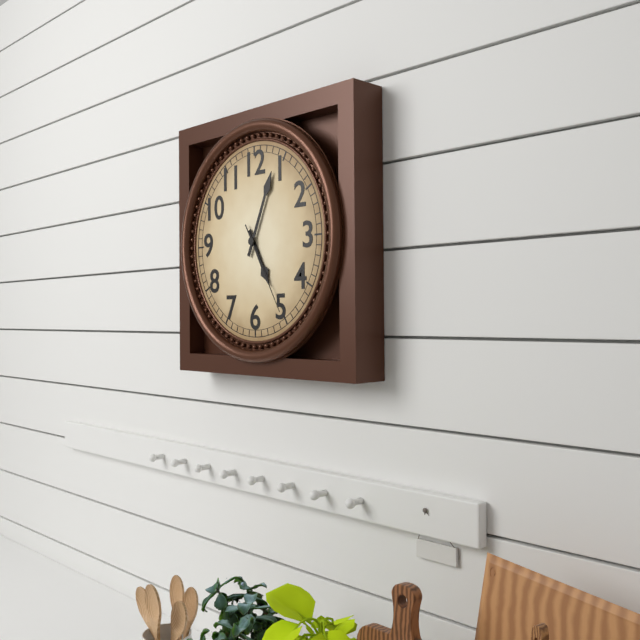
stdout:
5h04m25s
